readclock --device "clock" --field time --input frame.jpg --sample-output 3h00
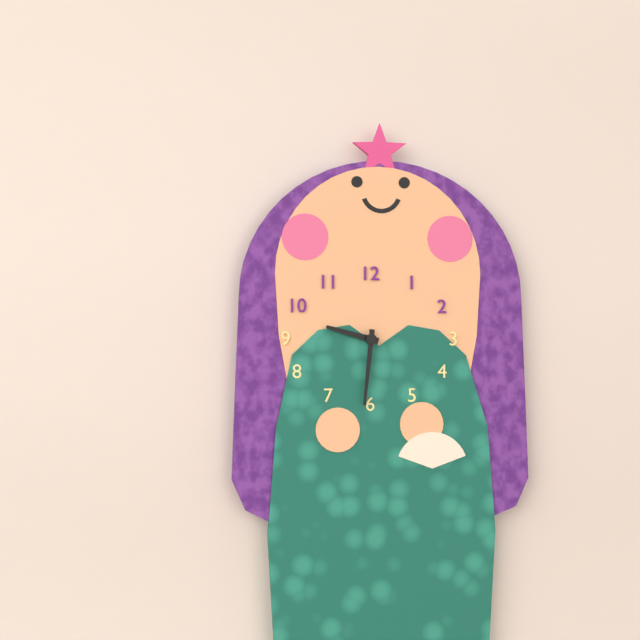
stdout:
9h31
